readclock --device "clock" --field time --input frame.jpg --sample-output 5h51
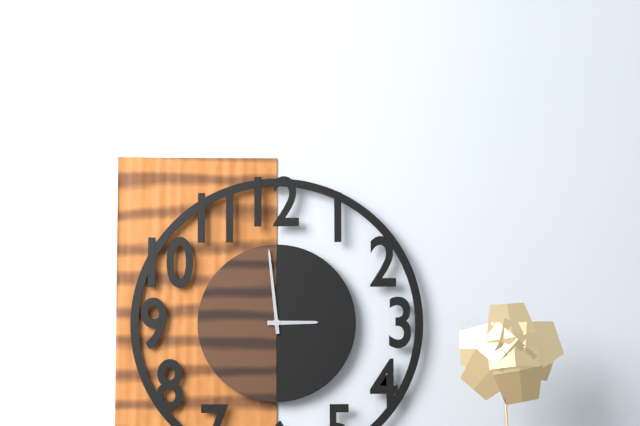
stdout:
2h59
